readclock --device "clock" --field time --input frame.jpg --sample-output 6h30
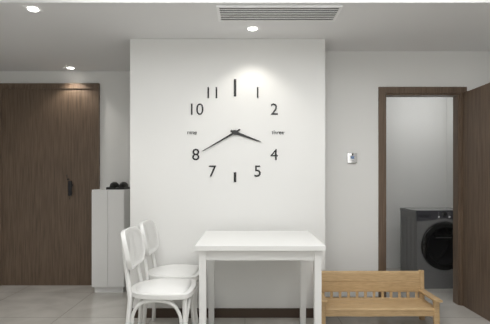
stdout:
3h40
